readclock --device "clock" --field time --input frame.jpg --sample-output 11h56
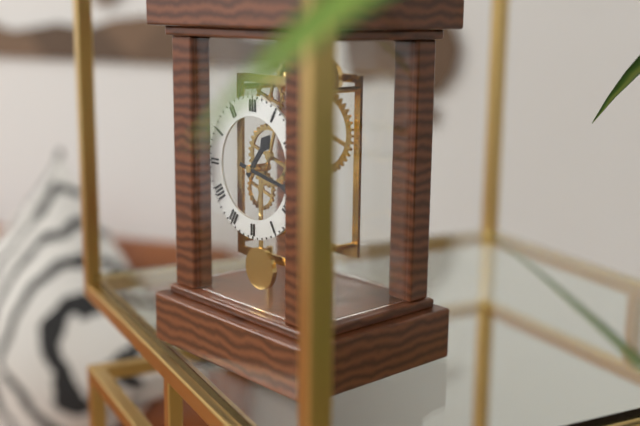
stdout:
1h17
